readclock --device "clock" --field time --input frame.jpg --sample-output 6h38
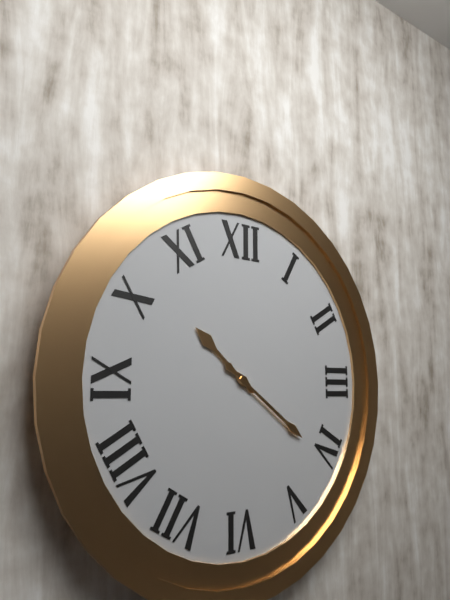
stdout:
10h21
